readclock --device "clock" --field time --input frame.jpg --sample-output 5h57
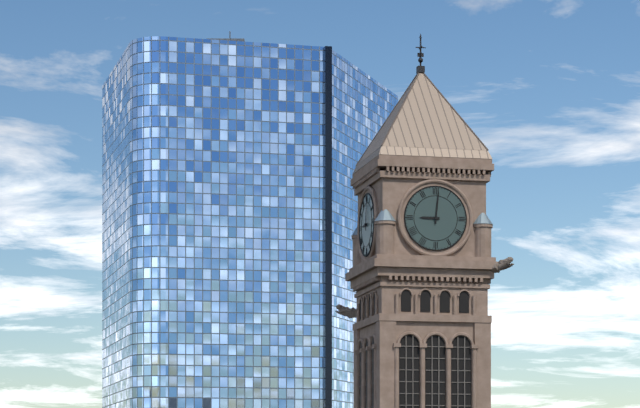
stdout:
9h01
